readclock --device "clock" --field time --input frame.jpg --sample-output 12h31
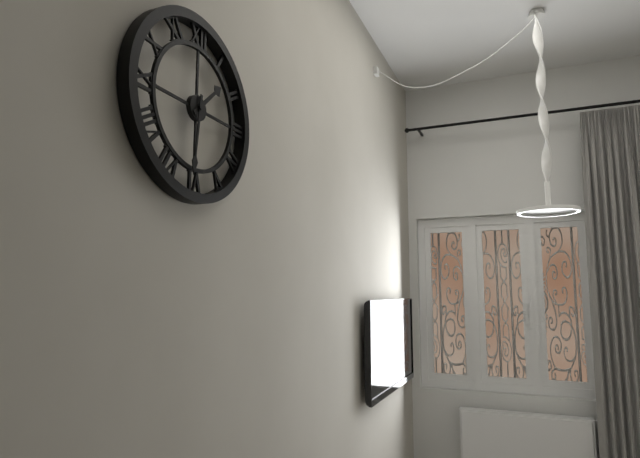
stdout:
1h31
